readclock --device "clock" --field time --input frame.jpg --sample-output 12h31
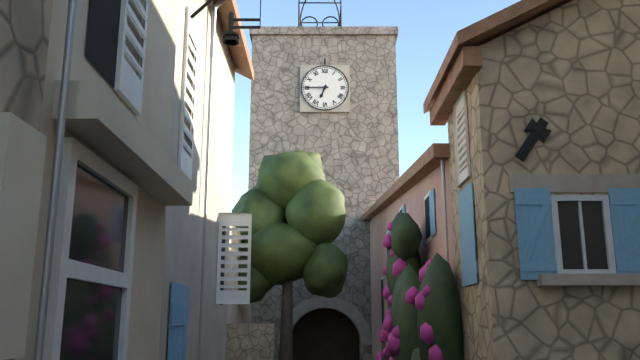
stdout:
6h45
